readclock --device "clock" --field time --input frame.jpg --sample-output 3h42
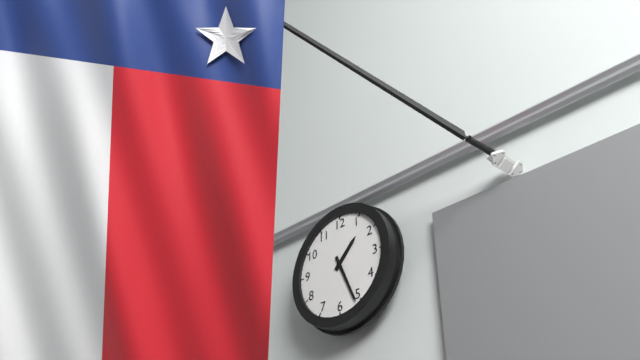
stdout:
1h26
